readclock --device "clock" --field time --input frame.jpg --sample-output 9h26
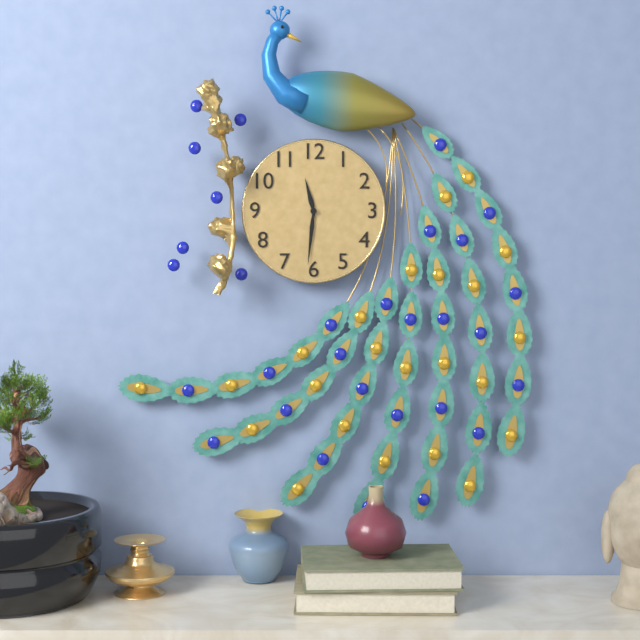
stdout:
11h31
